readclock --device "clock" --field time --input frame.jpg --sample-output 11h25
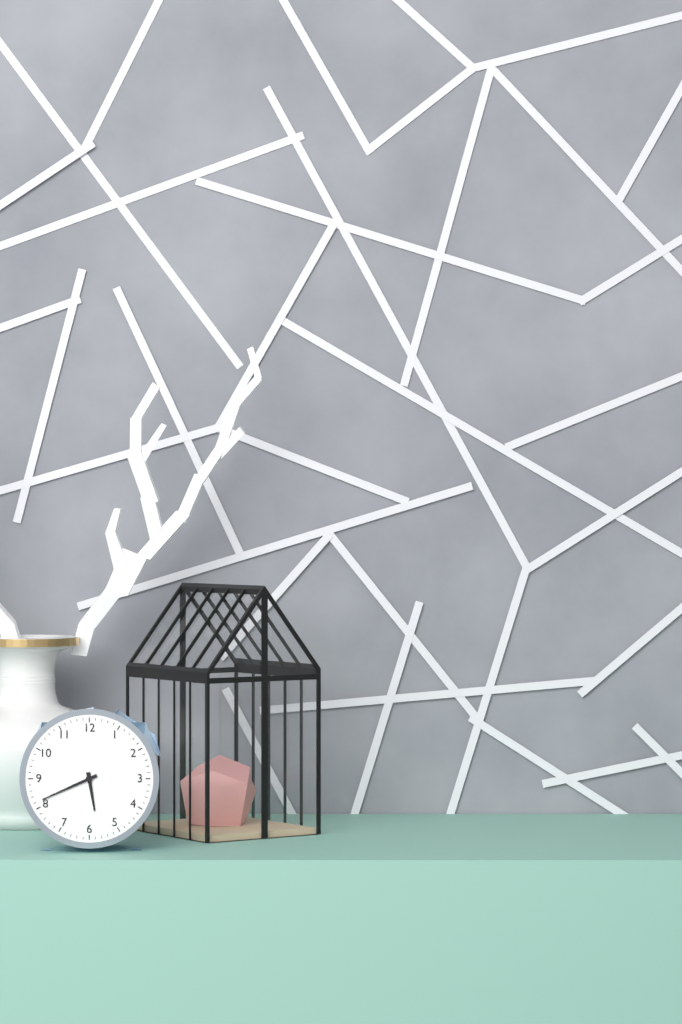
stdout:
5h41
